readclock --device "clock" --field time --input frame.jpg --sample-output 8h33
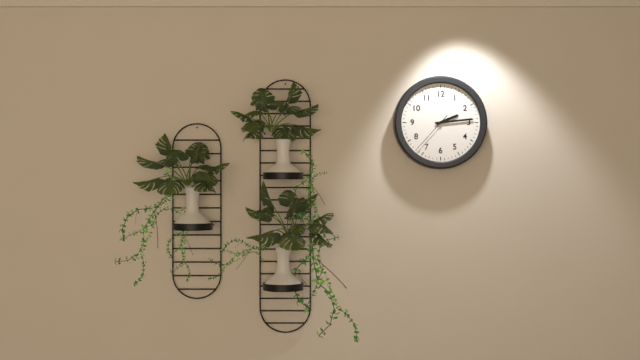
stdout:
2h14
